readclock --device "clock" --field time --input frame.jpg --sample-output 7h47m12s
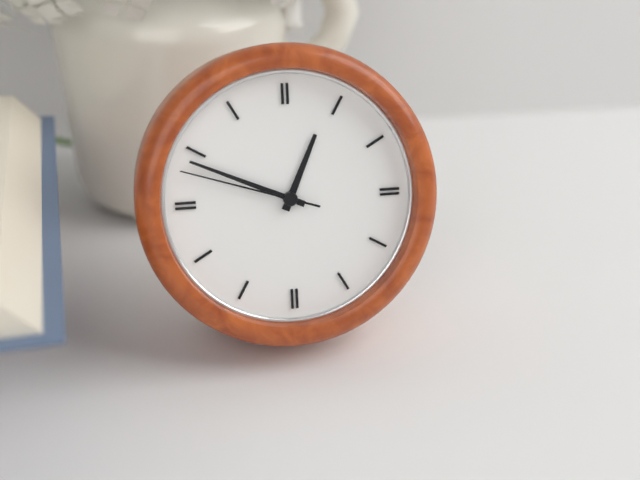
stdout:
12h49m48s
